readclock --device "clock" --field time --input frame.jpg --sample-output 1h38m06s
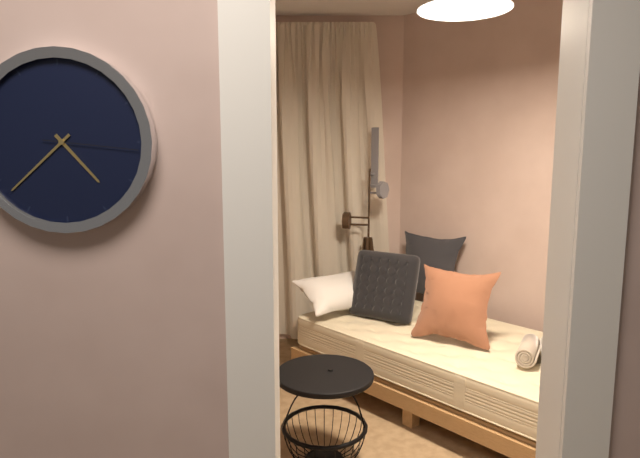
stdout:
4h38m16s
